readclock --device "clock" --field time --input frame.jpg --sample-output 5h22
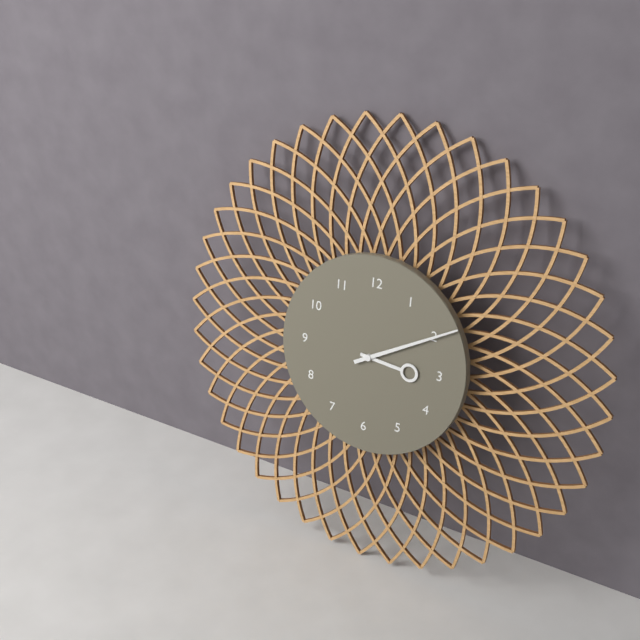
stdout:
3h10
